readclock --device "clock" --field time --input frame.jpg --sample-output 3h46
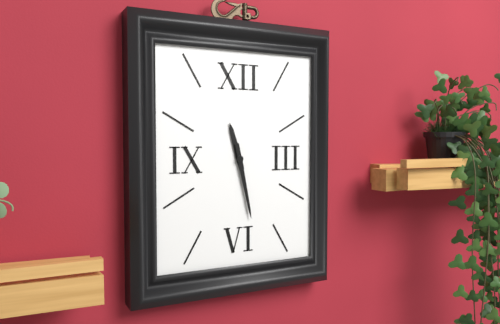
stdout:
11h28
